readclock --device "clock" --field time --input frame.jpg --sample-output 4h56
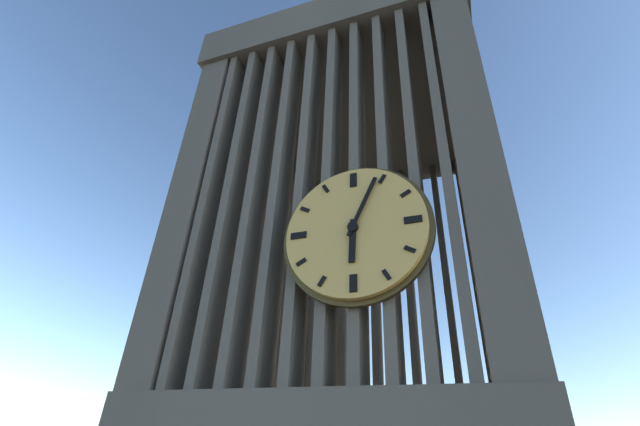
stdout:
6h04
